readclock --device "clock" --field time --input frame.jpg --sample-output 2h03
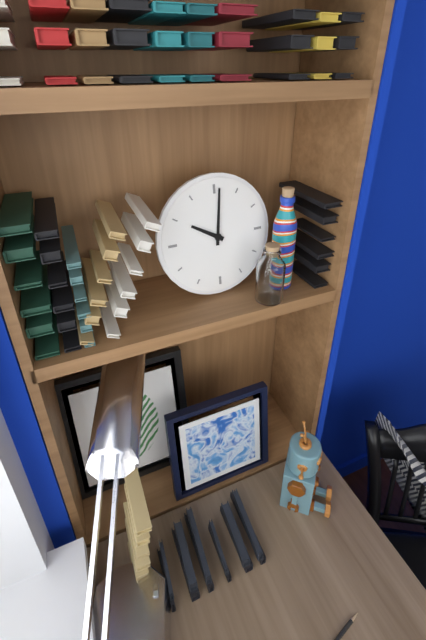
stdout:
10h01
